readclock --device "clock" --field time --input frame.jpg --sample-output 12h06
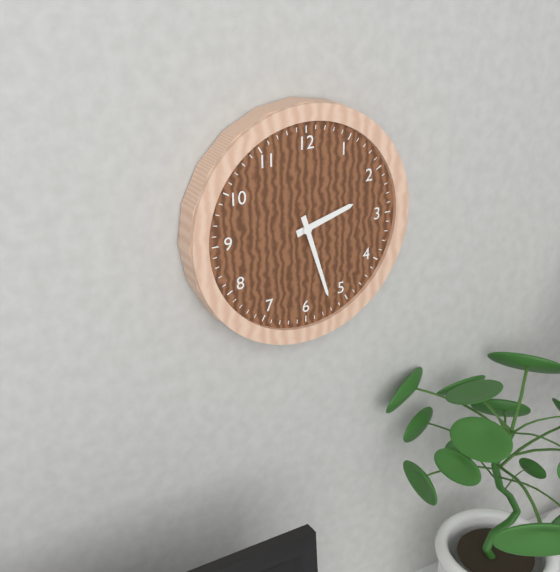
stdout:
2h27
